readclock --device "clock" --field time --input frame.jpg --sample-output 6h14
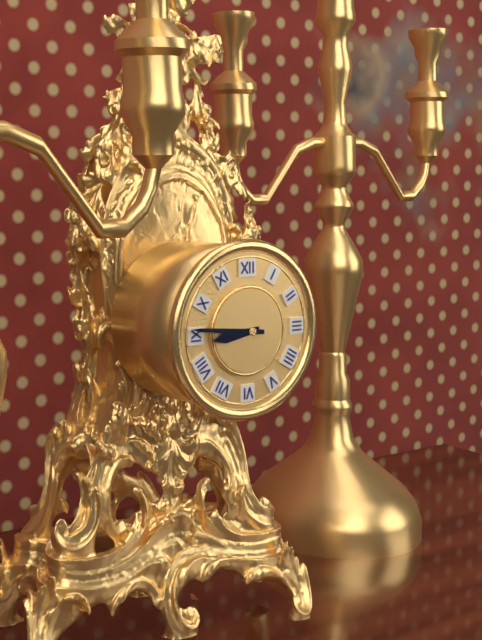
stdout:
8h46
